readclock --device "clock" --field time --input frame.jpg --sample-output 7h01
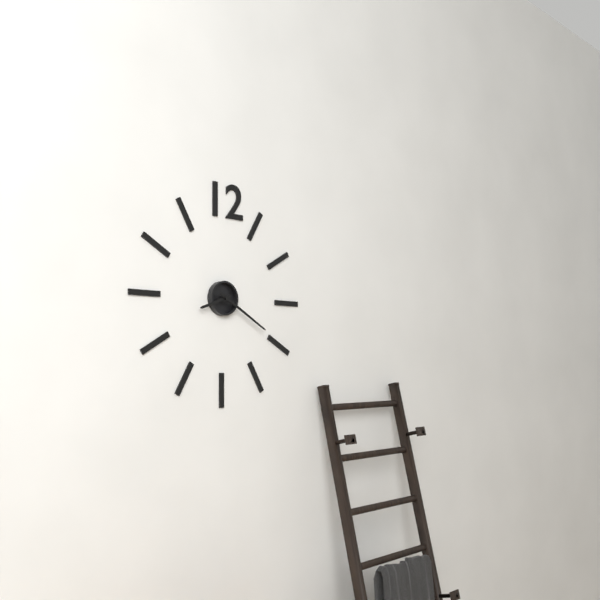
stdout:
8h20
